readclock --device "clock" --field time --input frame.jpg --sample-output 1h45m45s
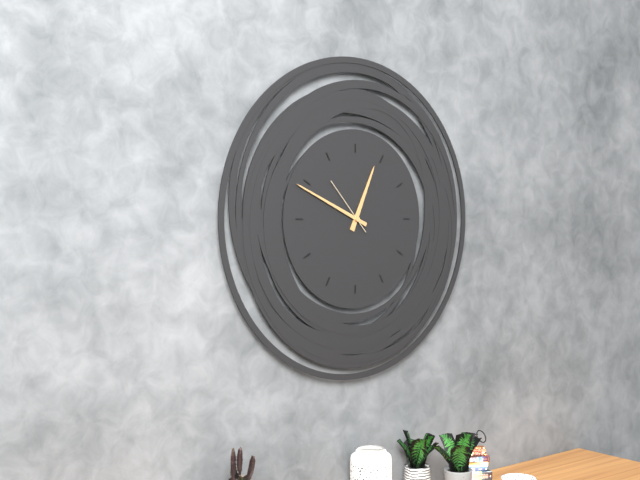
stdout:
12h49m53s
